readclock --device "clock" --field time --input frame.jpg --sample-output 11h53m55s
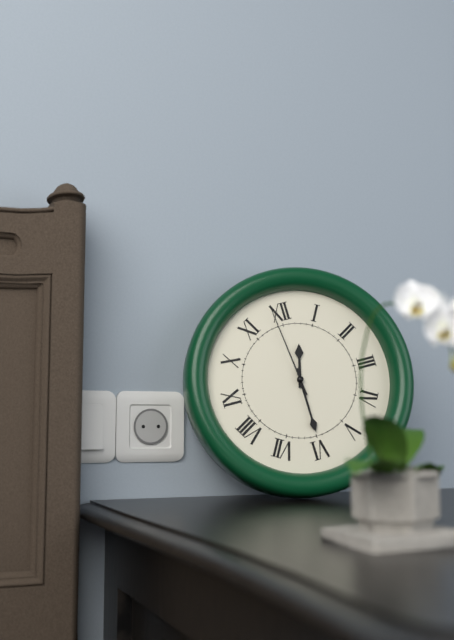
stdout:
12h30m59s
